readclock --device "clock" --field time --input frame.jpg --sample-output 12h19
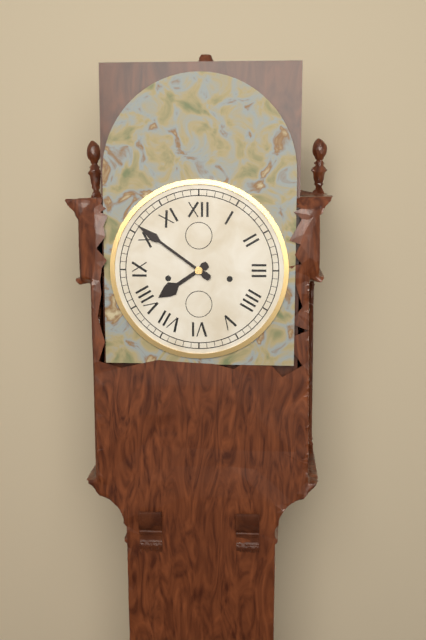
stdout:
7h51
